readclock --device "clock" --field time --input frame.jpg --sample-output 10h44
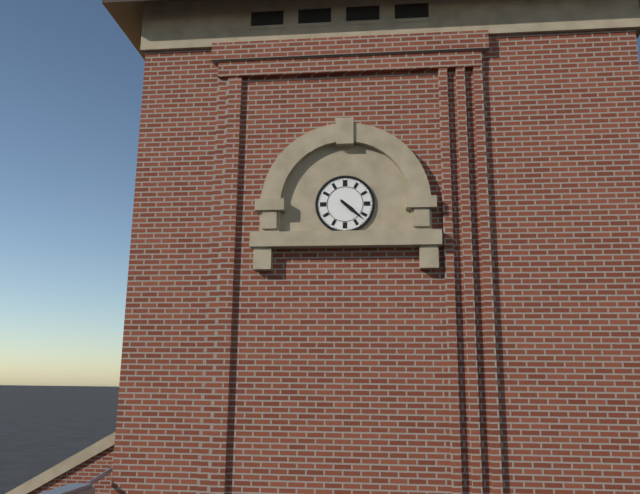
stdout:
4h22
